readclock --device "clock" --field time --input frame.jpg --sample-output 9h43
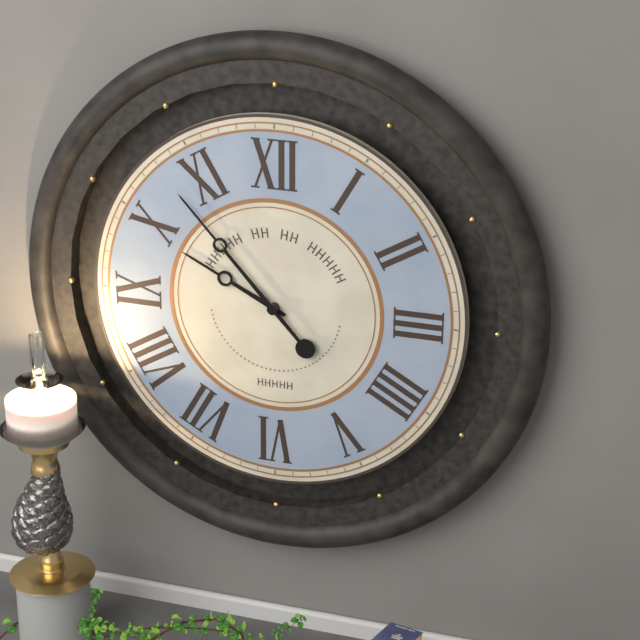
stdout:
9h53
